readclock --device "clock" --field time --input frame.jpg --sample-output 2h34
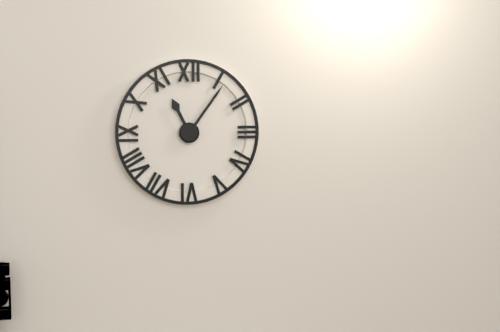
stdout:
11h06
